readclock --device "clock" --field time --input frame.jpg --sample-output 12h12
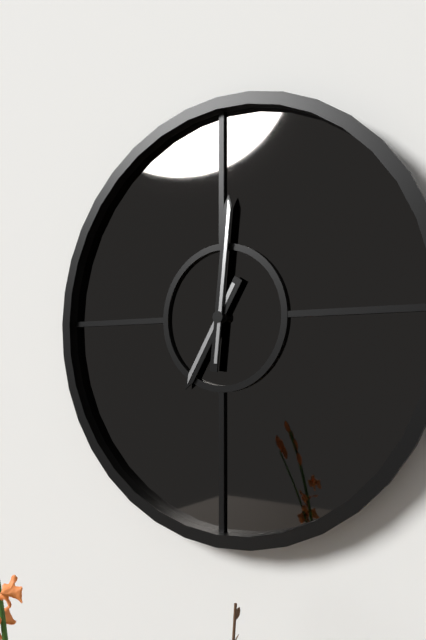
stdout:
7h01
